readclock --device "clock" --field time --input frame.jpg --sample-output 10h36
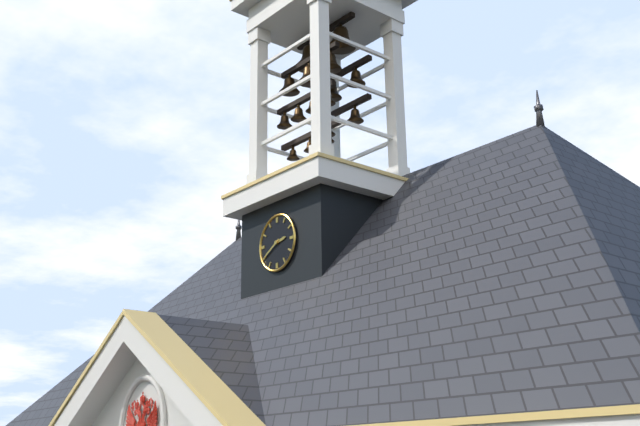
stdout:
2h40
